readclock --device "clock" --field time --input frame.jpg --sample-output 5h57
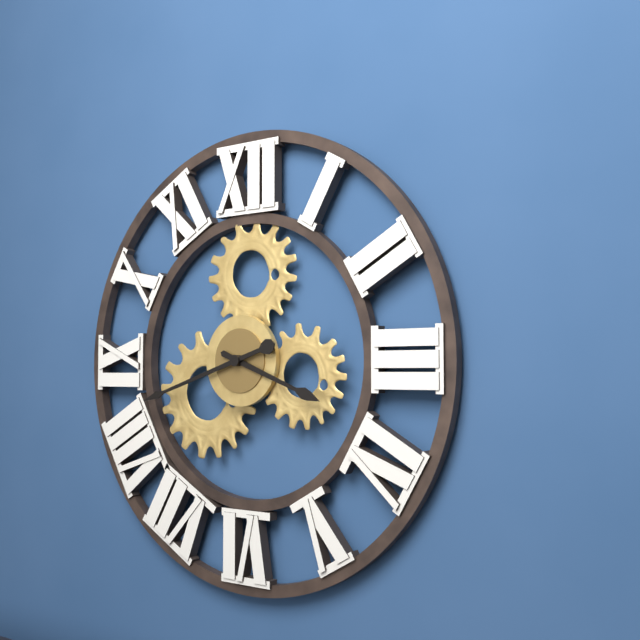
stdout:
3h42
